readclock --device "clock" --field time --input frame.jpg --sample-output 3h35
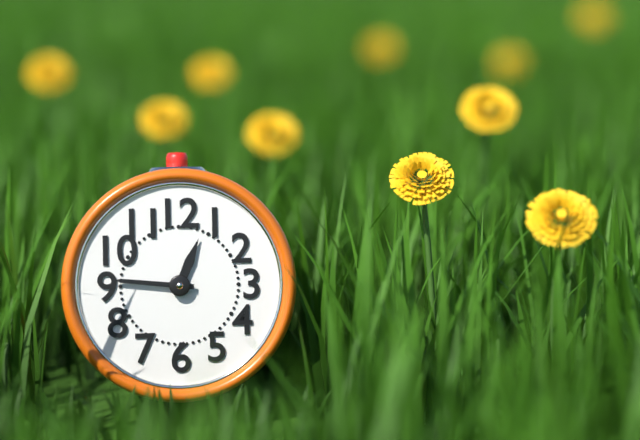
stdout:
12h46
